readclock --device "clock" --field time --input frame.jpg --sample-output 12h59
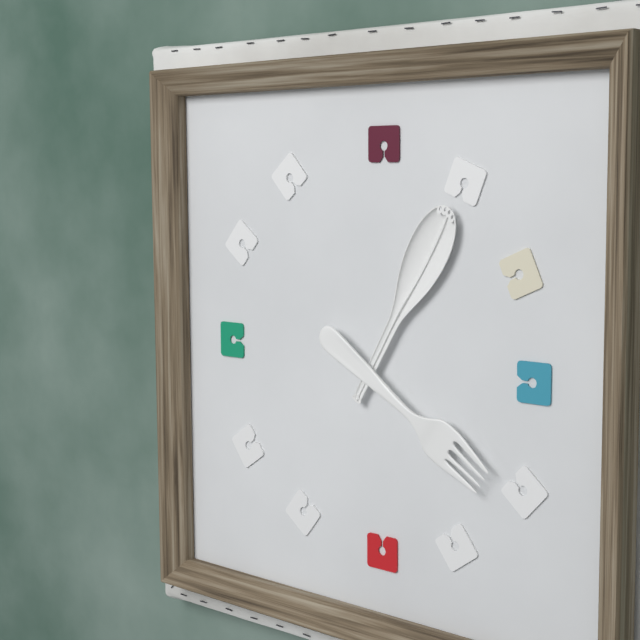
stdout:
4h05
